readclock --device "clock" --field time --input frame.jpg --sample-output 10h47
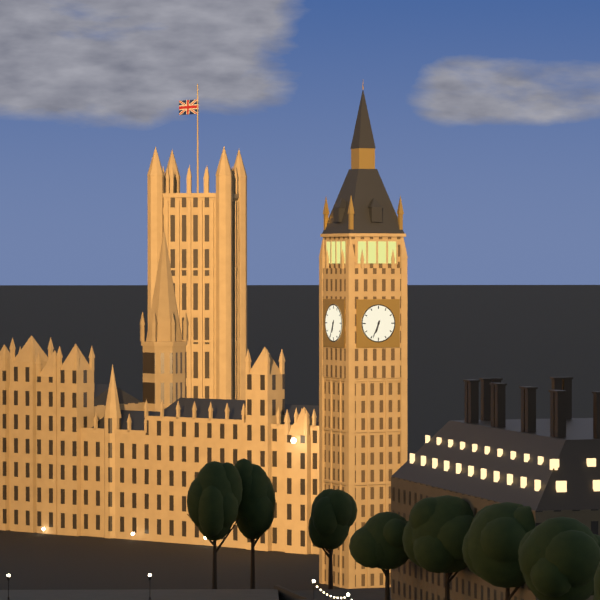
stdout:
6h34
